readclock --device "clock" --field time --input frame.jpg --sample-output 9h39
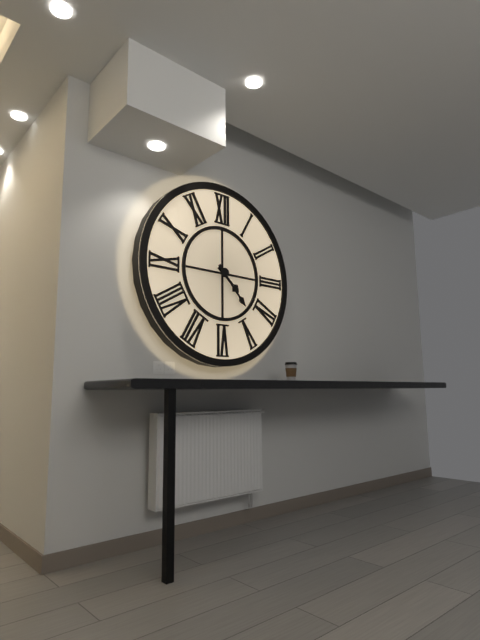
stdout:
4h23
